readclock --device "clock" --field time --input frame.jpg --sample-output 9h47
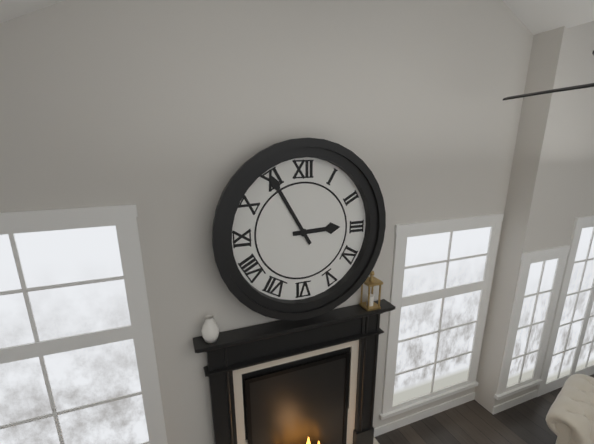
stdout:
2h55
